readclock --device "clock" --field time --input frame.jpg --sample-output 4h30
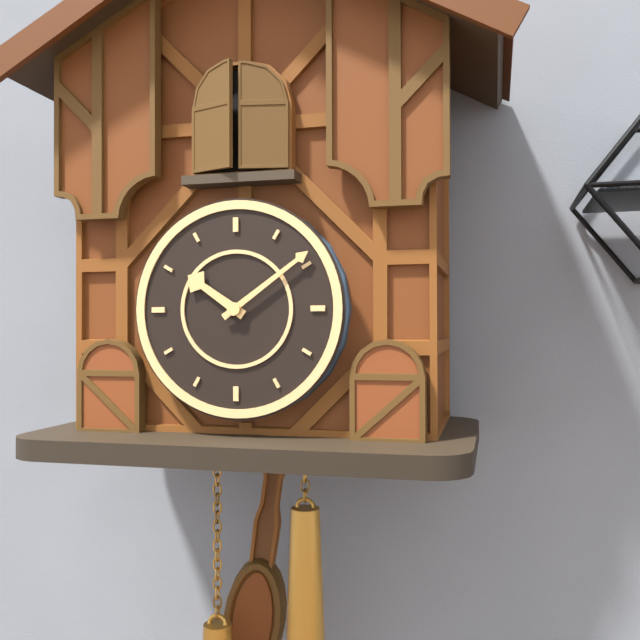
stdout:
10h09
